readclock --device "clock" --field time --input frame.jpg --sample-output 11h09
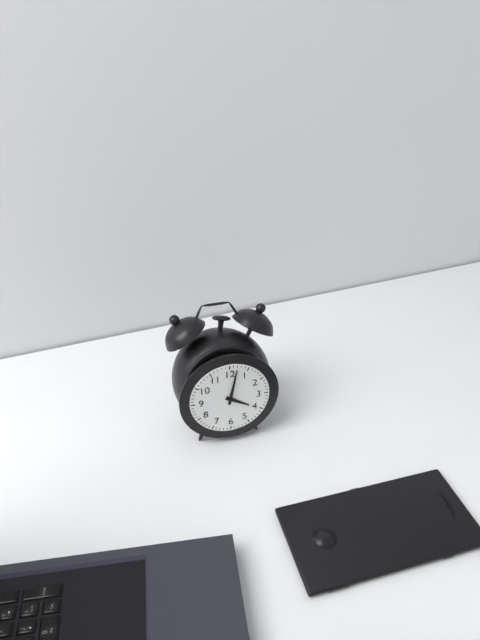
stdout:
4h02
